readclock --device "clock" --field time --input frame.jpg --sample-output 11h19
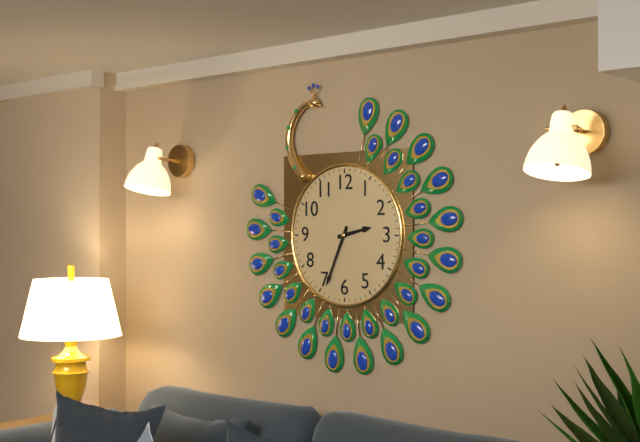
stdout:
2h34
